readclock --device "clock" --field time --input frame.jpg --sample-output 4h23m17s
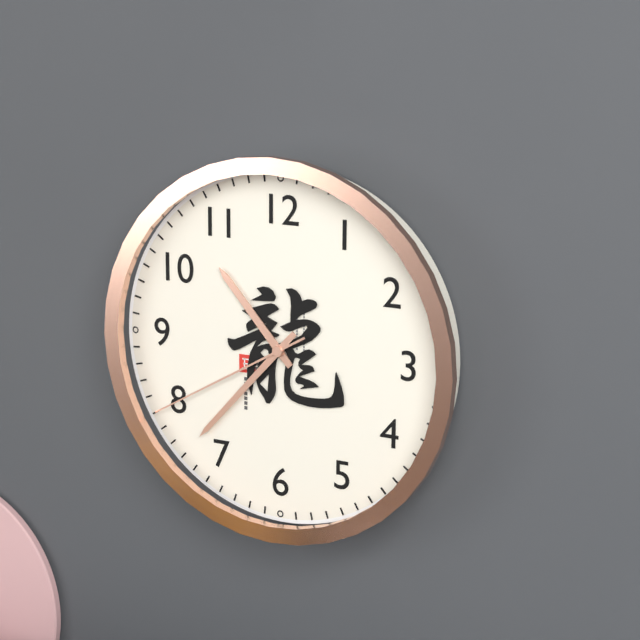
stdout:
10h37m40s
